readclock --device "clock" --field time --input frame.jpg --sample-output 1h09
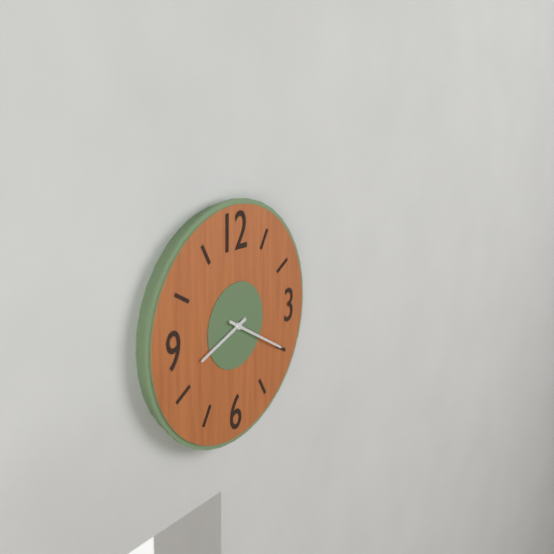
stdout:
8h20
